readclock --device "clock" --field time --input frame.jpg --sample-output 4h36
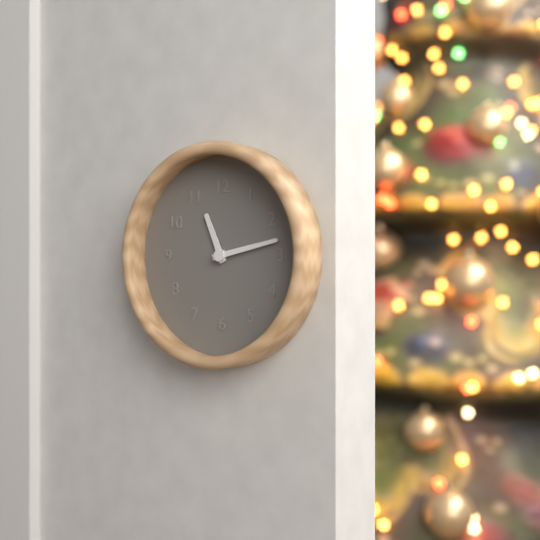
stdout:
11h13
